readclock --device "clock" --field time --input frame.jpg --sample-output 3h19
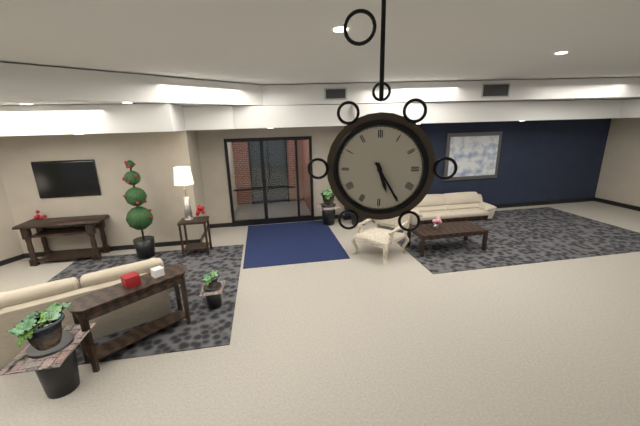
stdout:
5h25
